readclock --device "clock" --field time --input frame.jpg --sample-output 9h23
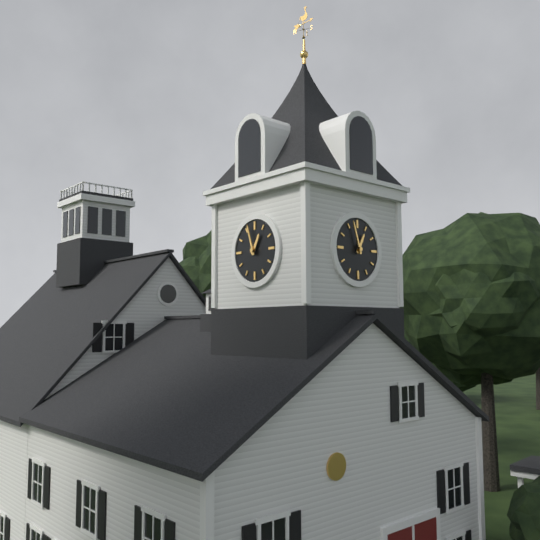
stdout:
12h57
